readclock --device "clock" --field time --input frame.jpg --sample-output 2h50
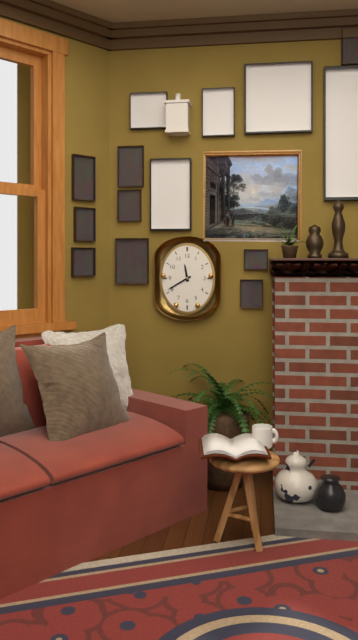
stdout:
11h40
